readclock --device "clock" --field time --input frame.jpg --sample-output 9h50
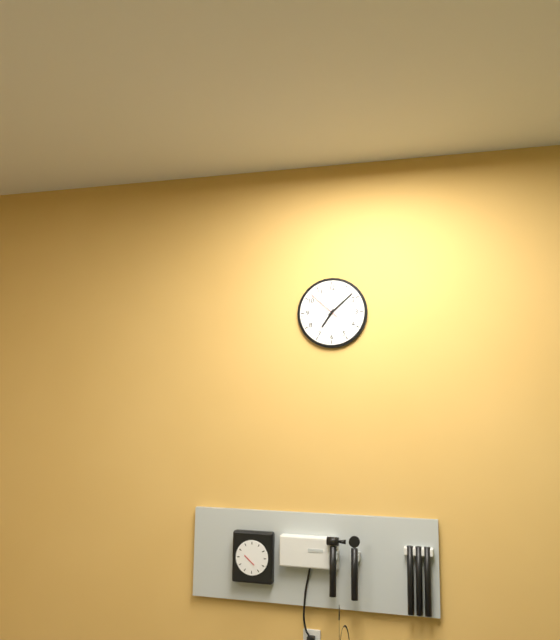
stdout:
7h08
